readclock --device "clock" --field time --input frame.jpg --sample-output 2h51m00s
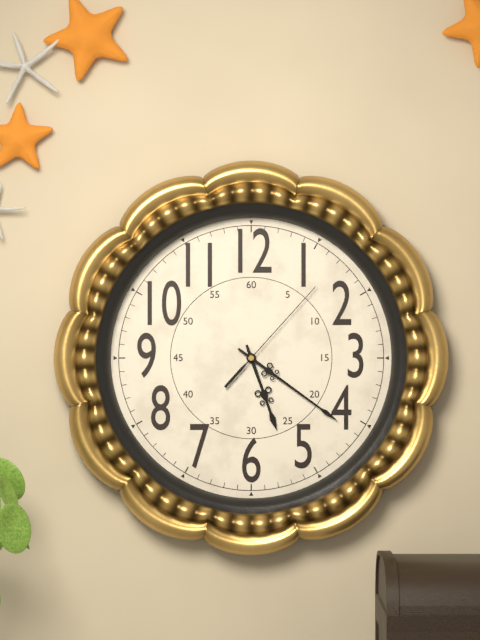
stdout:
5h21m07s
